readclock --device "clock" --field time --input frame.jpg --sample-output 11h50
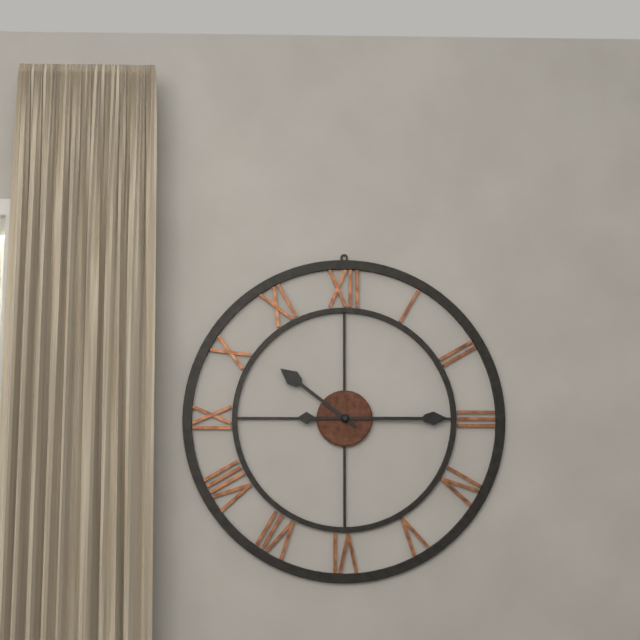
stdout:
10h15
